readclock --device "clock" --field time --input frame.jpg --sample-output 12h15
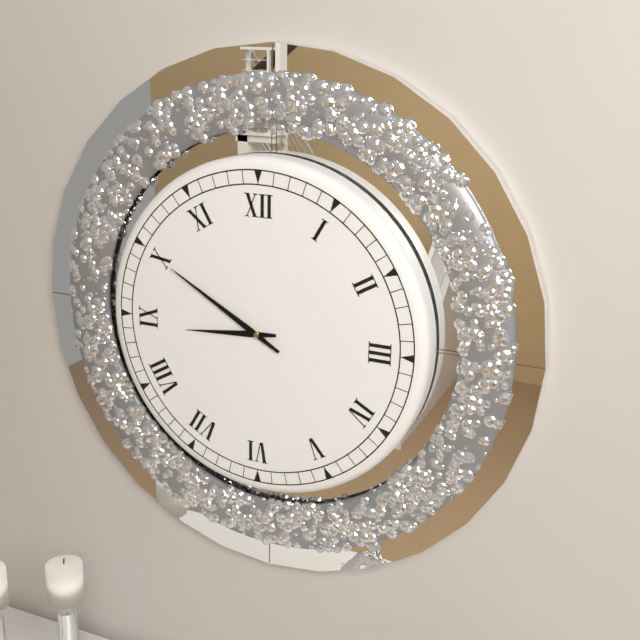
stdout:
8h50
